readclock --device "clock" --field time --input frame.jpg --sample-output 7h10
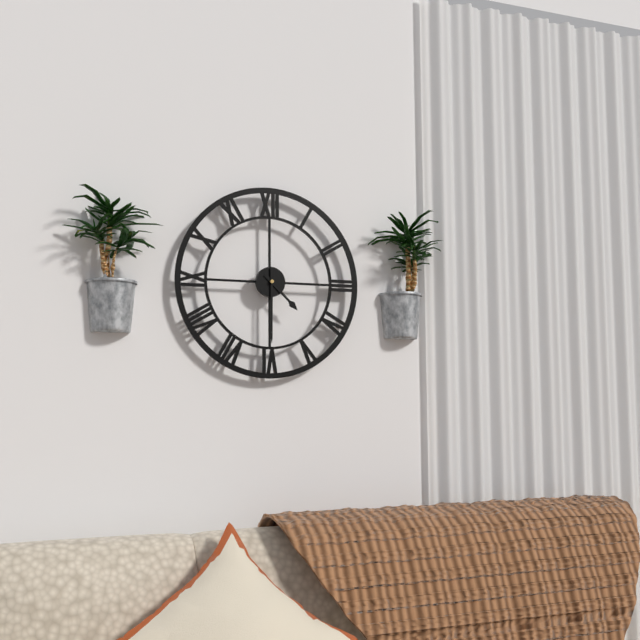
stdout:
4h30
